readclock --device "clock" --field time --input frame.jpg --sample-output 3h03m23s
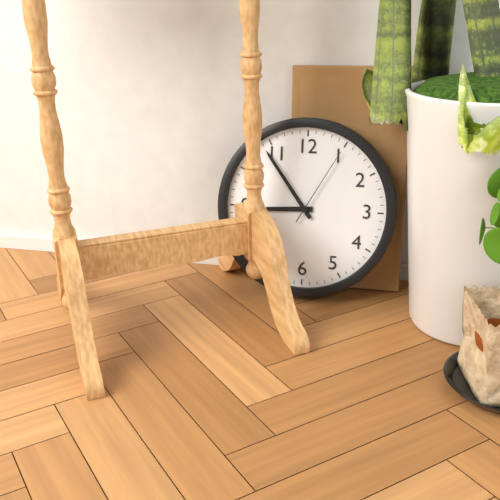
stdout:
8h54m05s
